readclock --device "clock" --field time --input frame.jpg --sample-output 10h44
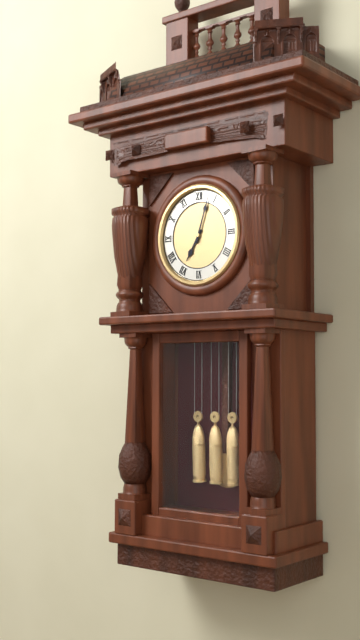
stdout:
7h03
